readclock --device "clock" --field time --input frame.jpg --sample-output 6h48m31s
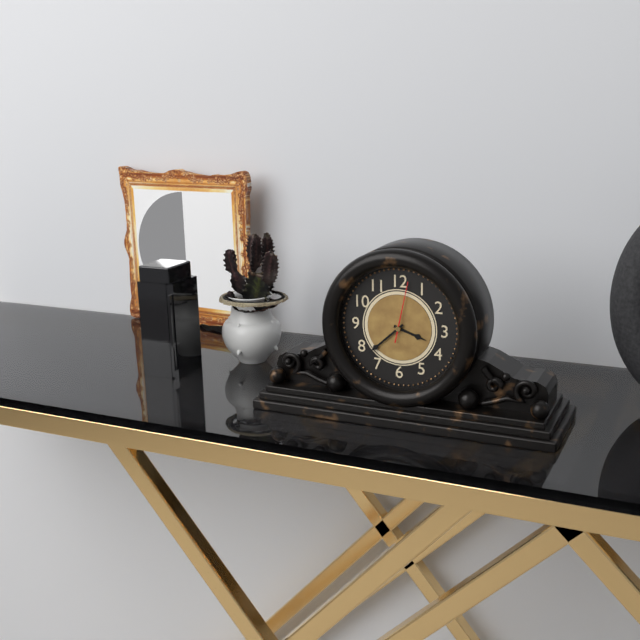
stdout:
3h38m02s
